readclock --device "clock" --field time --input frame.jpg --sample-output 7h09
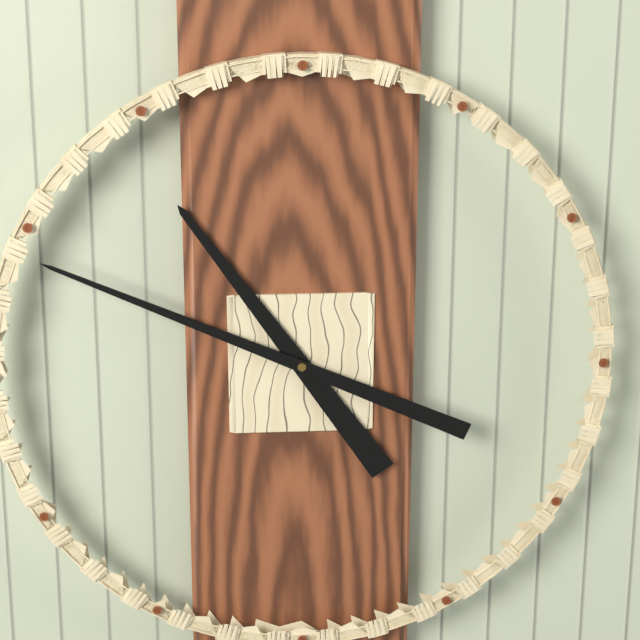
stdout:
10h49
